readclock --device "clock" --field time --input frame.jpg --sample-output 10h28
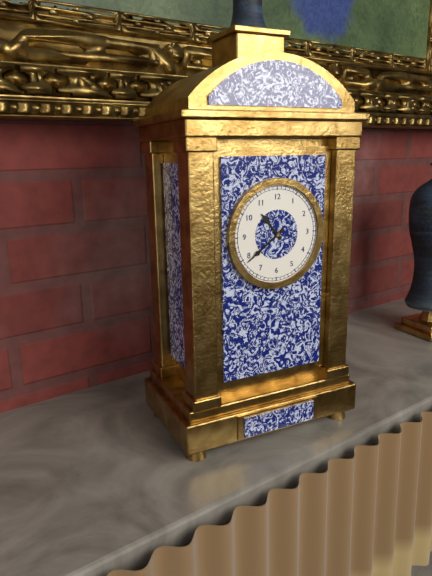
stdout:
10h39
